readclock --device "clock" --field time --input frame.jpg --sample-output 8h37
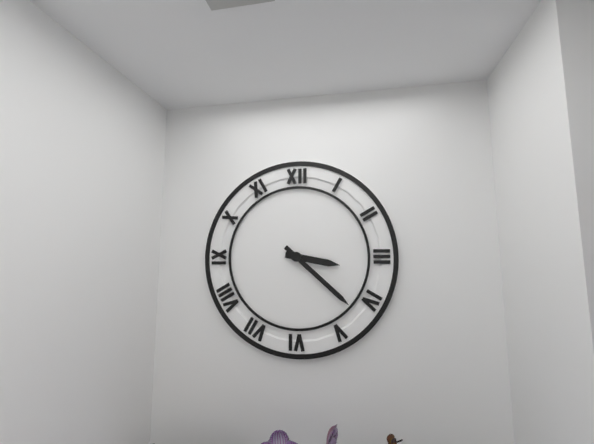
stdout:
3h22
